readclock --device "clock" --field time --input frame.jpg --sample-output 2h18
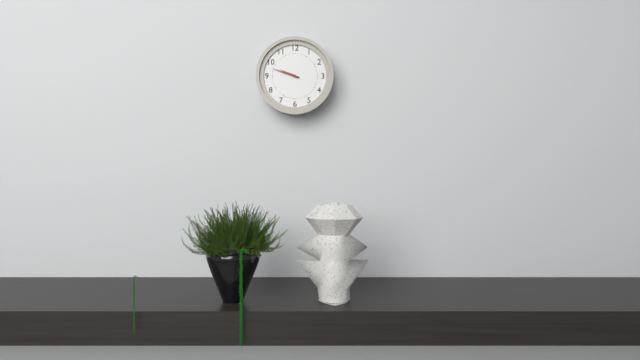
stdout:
9h48
